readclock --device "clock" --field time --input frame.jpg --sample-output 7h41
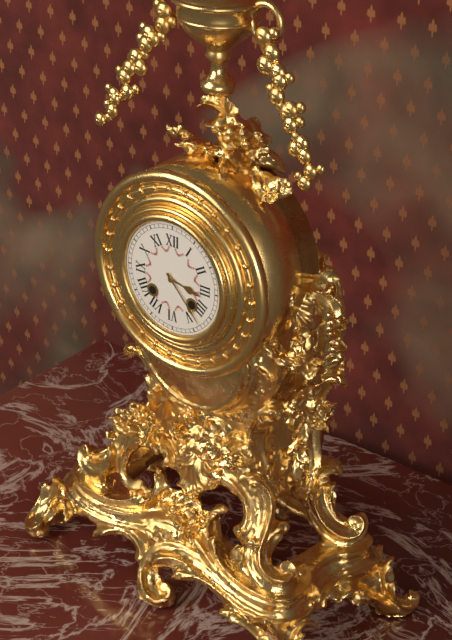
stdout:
3h23
